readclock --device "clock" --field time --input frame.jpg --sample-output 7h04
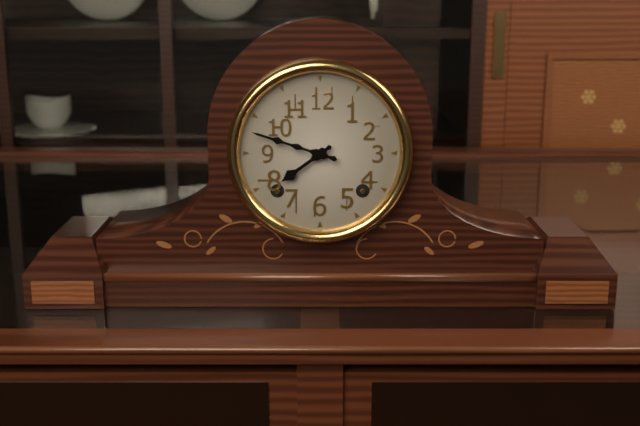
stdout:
7h48
